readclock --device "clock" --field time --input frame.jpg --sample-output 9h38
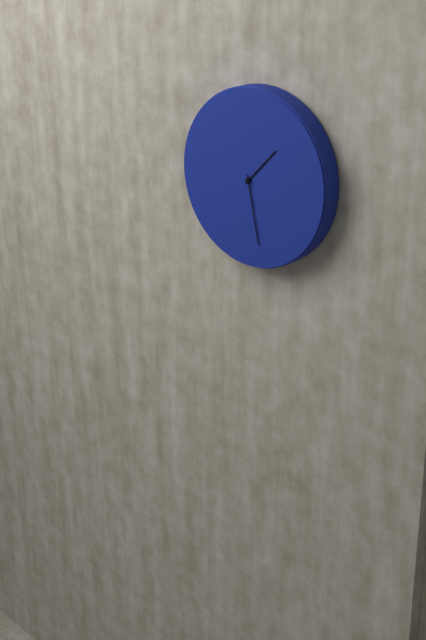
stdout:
1h28
